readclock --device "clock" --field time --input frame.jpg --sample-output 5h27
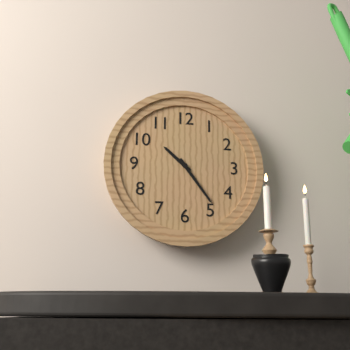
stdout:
10h24
